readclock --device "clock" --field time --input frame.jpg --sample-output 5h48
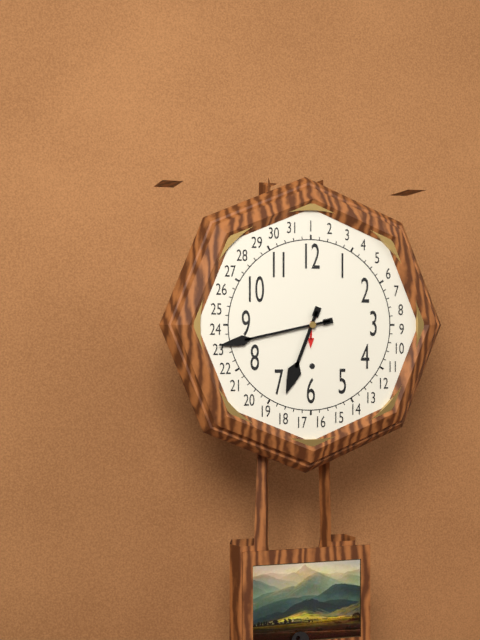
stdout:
6h43
